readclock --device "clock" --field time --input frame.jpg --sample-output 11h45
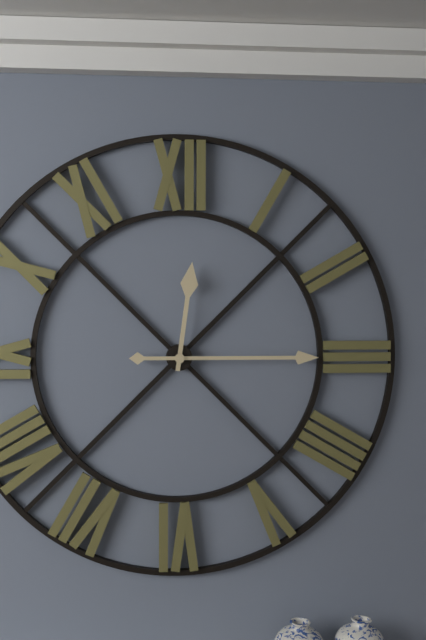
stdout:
12h15
